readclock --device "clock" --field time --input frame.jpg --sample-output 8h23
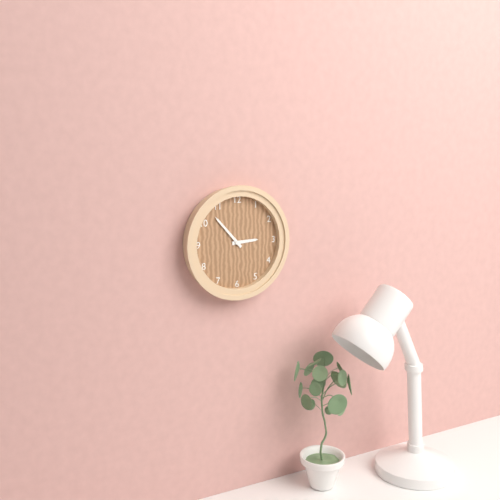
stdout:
2h53
